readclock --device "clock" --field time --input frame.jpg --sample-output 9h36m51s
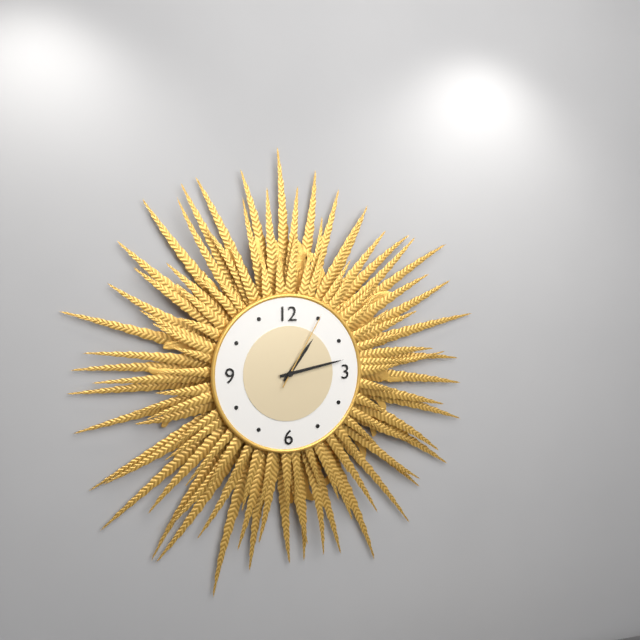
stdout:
1h13m05s
